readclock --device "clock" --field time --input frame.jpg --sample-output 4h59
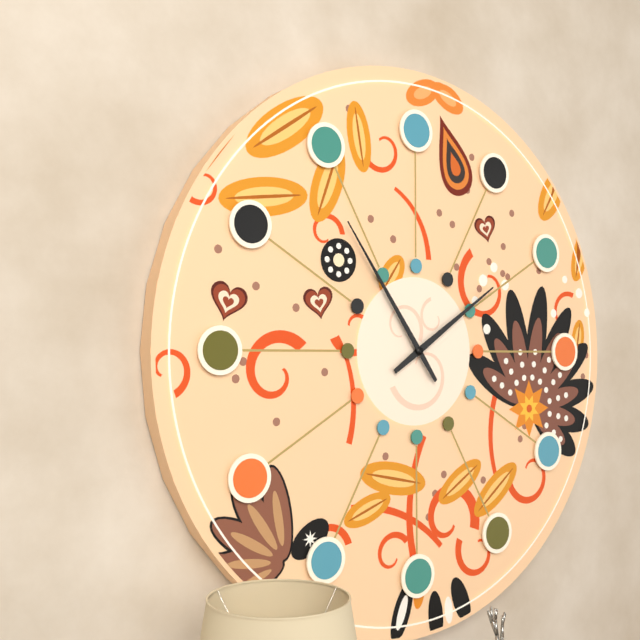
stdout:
1h54
